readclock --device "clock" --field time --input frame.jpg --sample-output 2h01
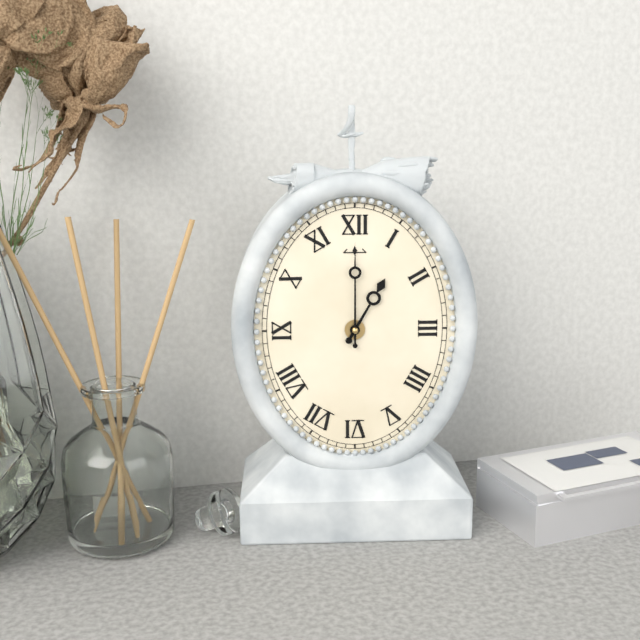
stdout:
1h00
